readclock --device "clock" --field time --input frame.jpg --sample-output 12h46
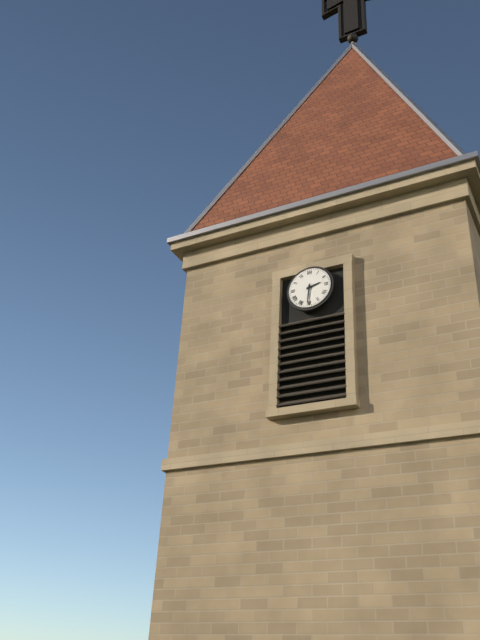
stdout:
2h31
